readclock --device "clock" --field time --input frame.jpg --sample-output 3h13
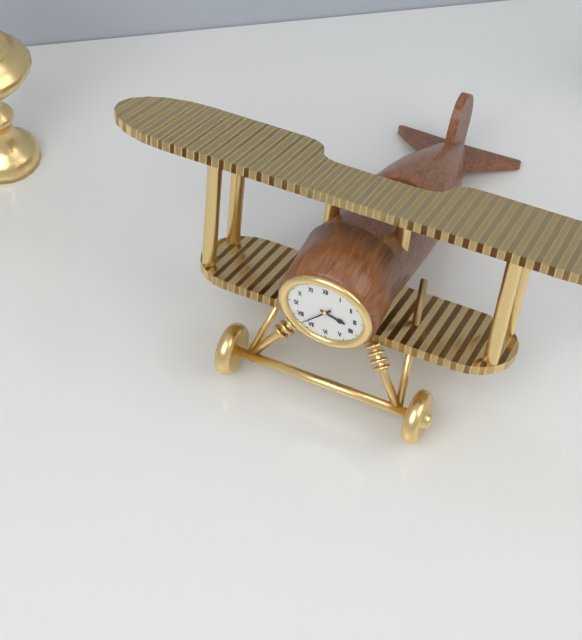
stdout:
3h37
